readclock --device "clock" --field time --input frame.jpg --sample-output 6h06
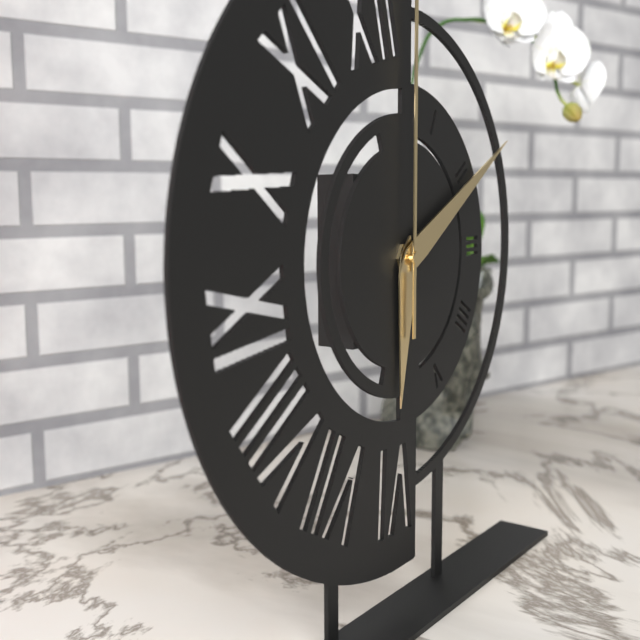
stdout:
6h10
